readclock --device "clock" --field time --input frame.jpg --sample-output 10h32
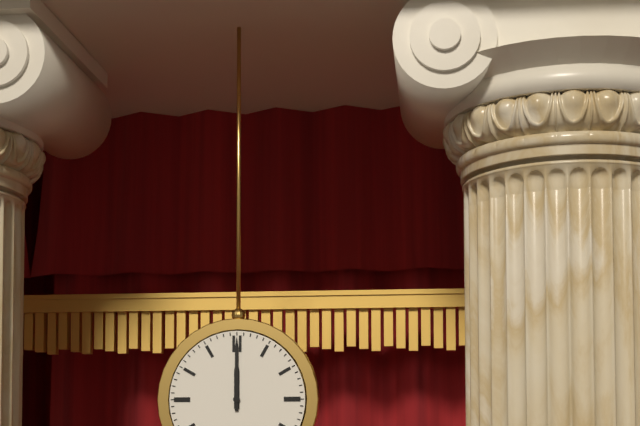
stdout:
12h00
